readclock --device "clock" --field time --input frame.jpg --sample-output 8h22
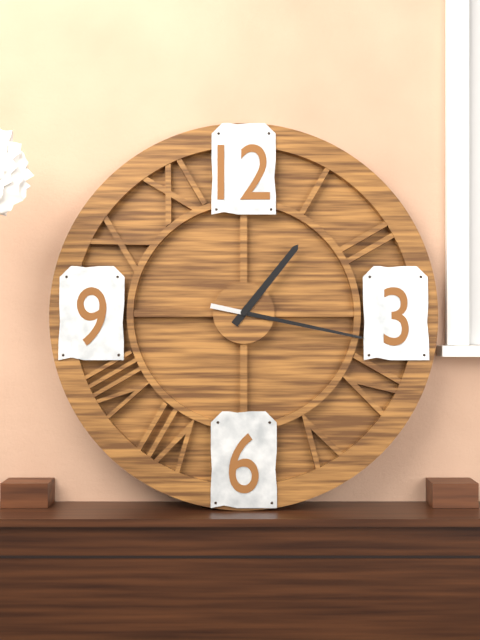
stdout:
1h17
